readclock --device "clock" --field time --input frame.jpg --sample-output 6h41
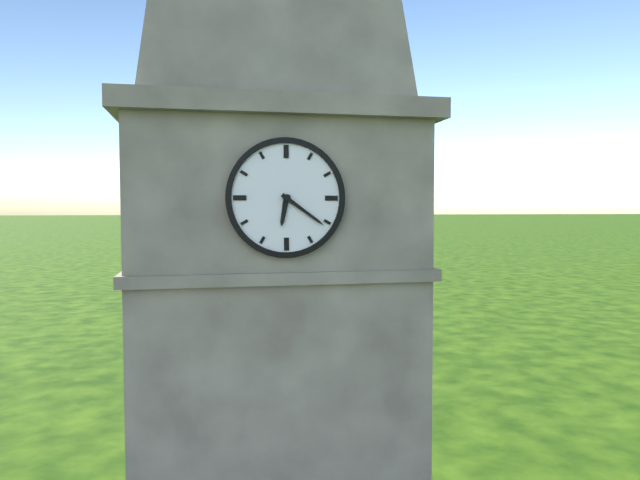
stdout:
6h21
